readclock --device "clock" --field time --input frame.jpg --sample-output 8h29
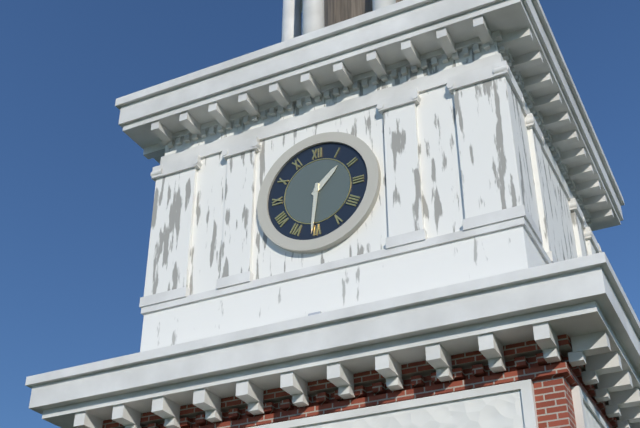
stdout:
1h31
